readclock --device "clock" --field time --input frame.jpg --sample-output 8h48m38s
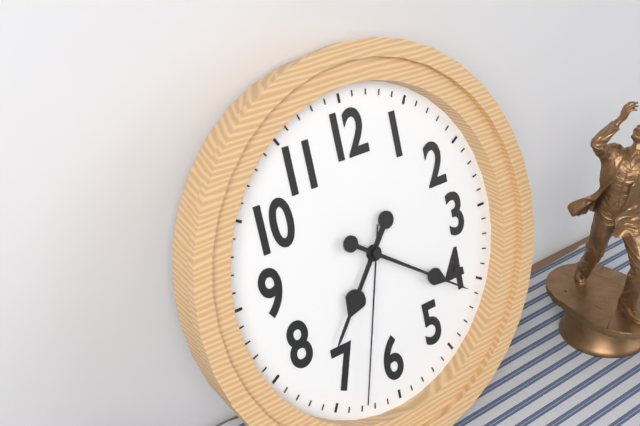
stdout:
7h21m33s
